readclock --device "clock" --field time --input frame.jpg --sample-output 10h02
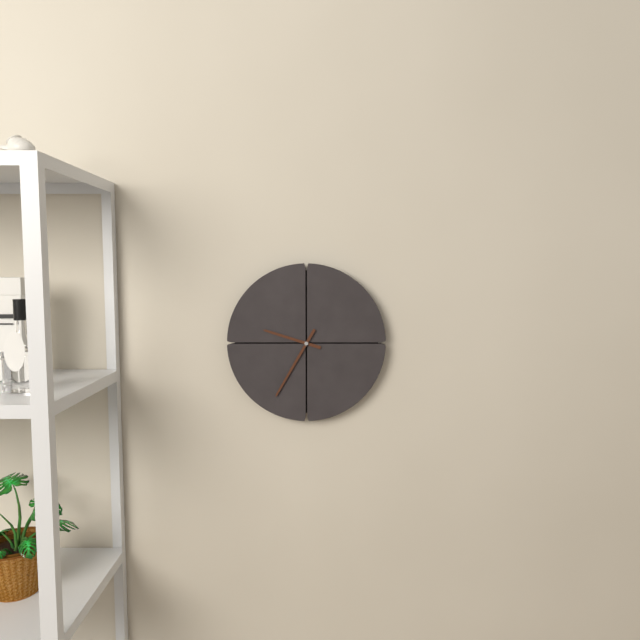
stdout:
9h35
